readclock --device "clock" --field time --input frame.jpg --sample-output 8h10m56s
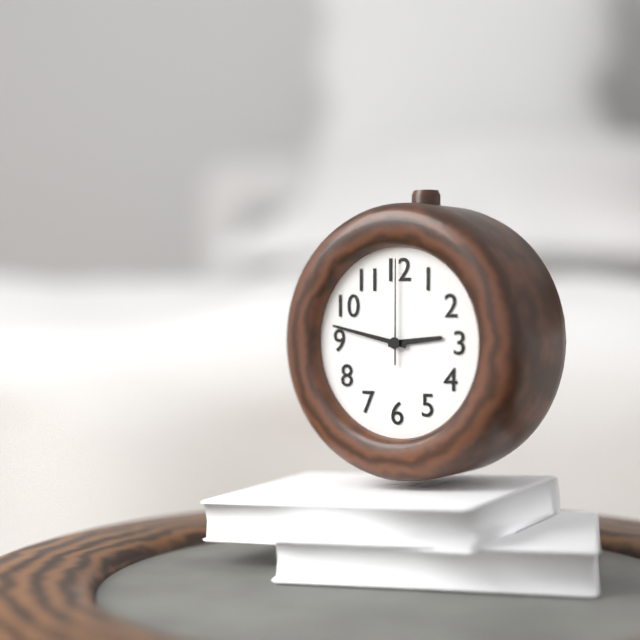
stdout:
2h47m00s
